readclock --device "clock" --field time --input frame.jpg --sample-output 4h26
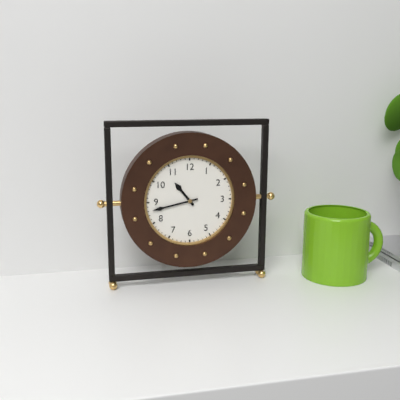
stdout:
10h43
